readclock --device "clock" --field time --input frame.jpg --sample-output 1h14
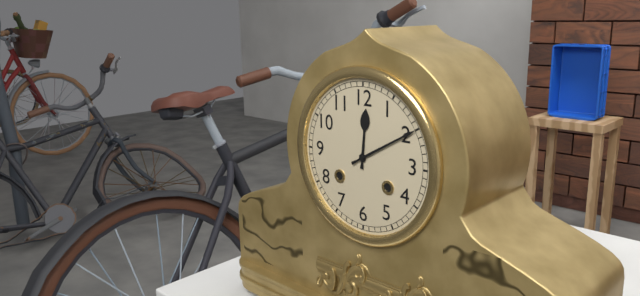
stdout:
12h10
